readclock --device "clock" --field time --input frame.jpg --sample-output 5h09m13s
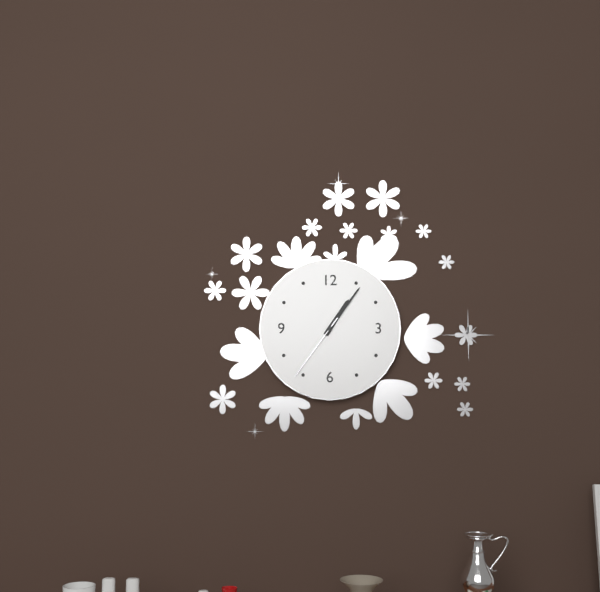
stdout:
1h06m36s
